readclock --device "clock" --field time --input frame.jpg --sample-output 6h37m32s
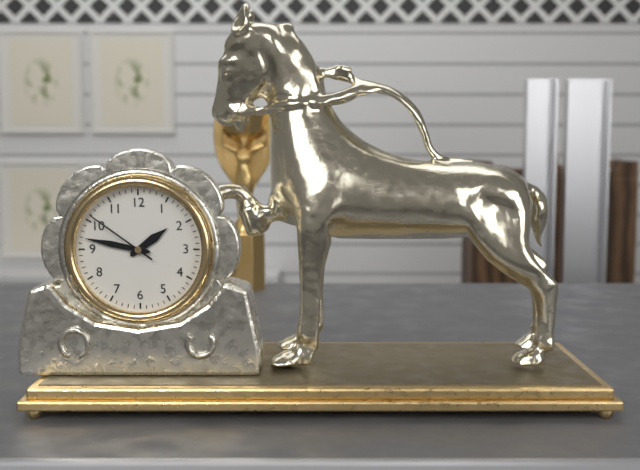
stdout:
1h47m51s
